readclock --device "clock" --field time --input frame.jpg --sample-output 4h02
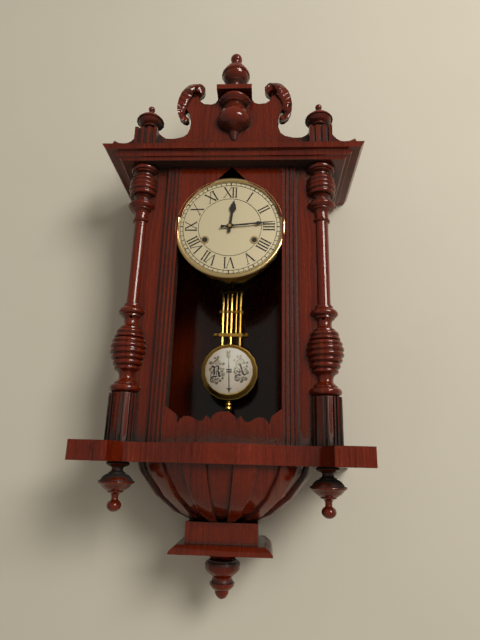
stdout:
12h14
